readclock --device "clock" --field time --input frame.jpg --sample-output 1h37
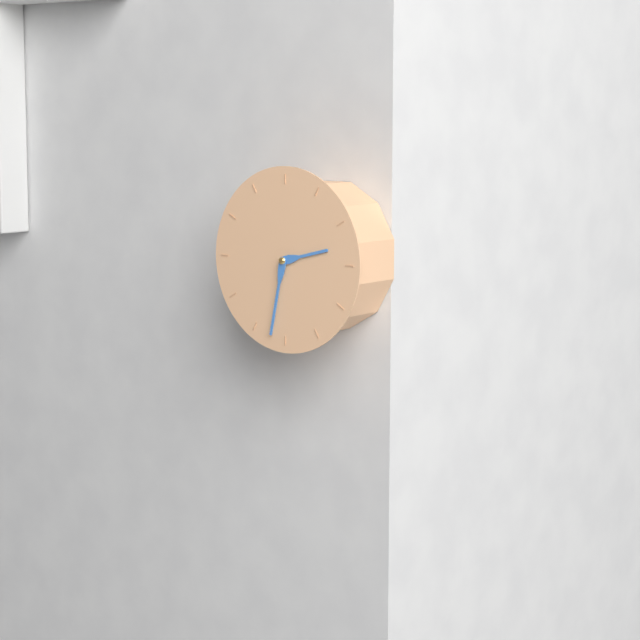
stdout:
2h32
